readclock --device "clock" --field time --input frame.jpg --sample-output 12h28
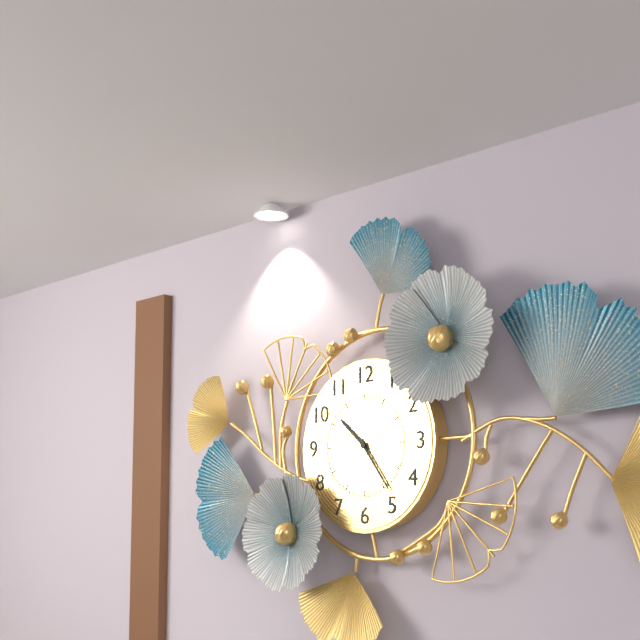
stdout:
10h24
